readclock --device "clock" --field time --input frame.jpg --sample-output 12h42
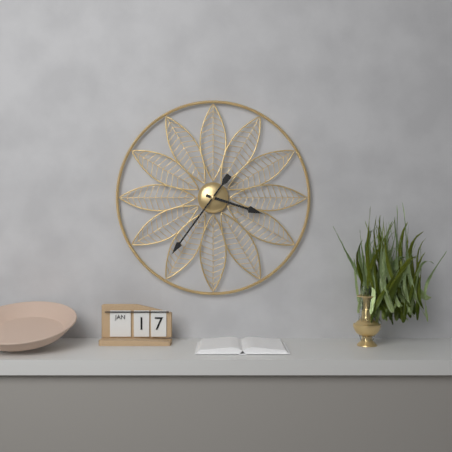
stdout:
3h36
